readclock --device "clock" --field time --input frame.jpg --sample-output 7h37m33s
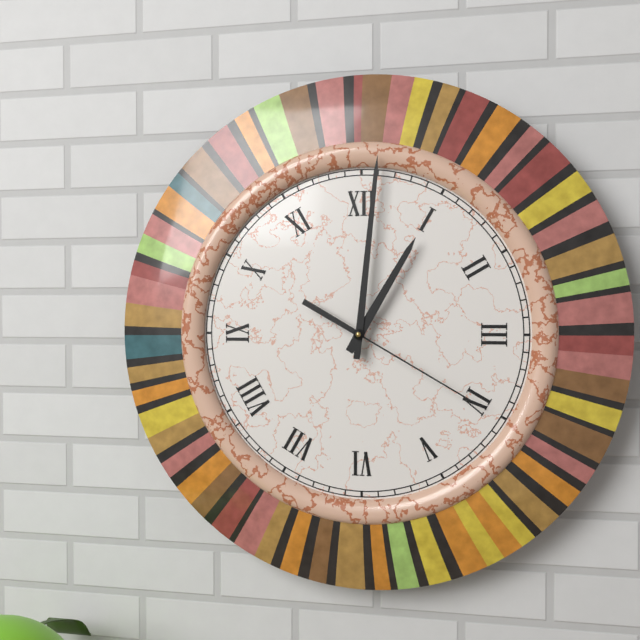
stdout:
1h01m20s
